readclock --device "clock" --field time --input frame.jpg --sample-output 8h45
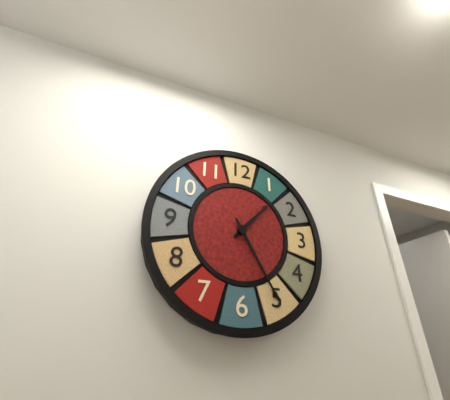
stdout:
1h25
